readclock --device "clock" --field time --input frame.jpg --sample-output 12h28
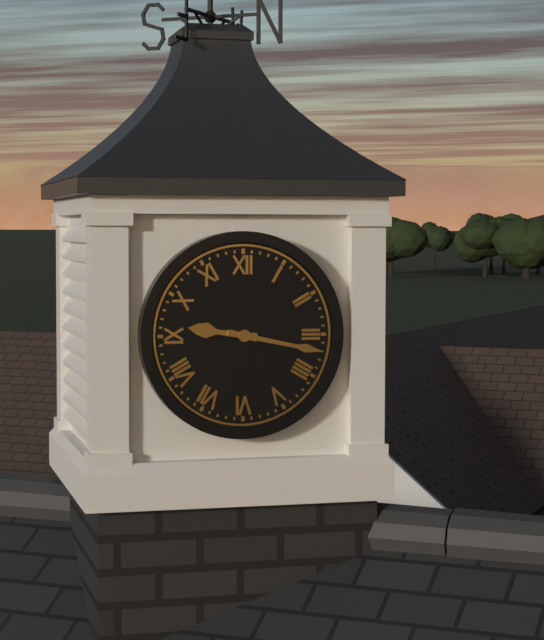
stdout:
9h17
